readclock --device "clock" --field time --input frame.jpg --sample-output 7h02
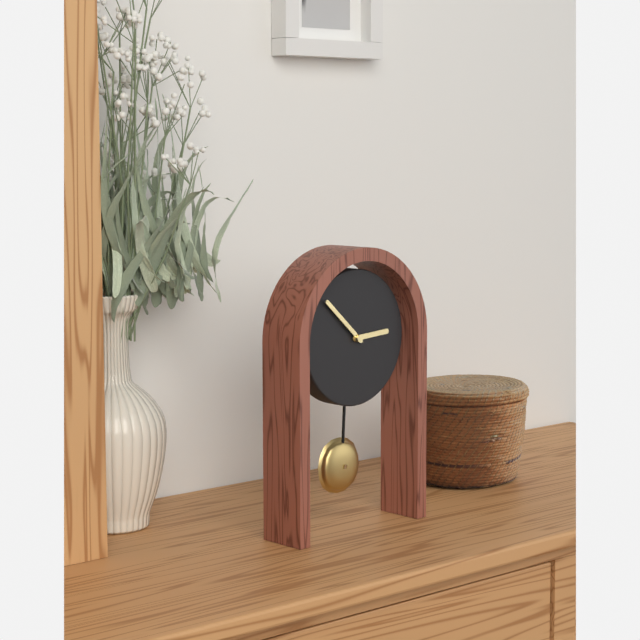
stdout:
2h52
